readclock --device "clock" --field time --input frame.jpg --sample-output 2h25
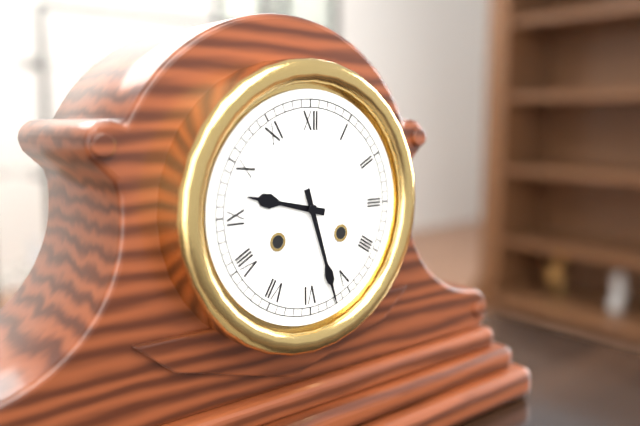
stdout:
9h27
